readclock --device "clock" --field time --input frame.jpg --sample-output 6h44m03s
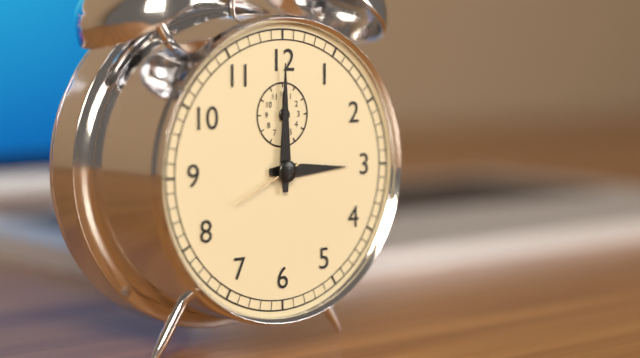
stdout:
3h00m41s
